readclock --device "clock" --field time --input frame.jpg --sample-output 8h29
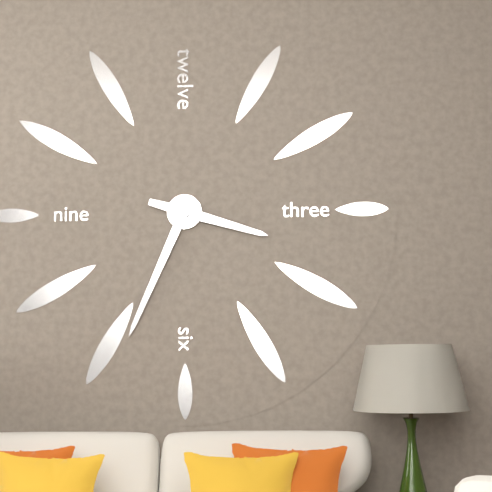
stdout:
3h34
